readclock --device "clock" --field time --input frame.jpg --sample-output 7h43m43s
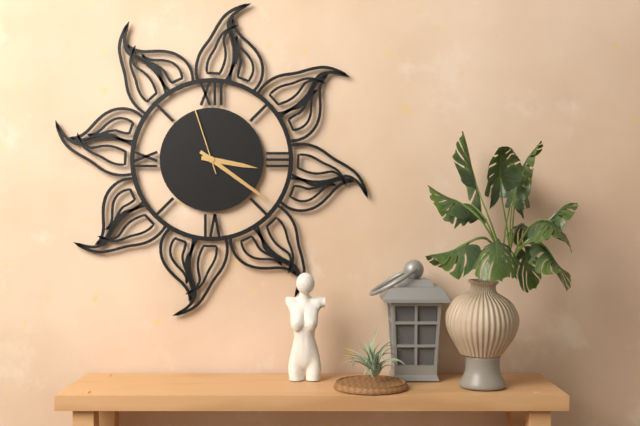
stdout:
3h21m57s
